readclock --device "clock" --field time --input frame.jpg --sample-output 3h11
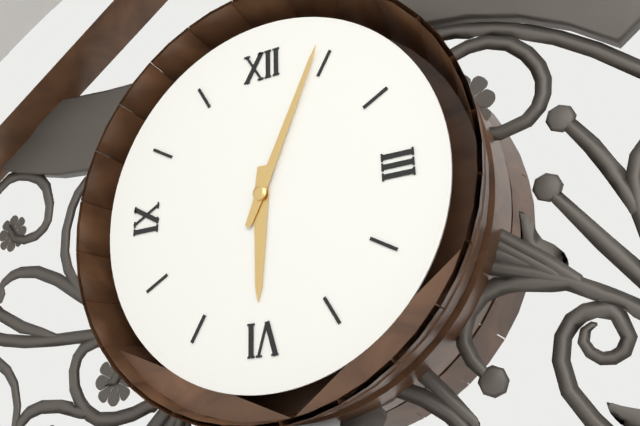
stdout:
6h04
